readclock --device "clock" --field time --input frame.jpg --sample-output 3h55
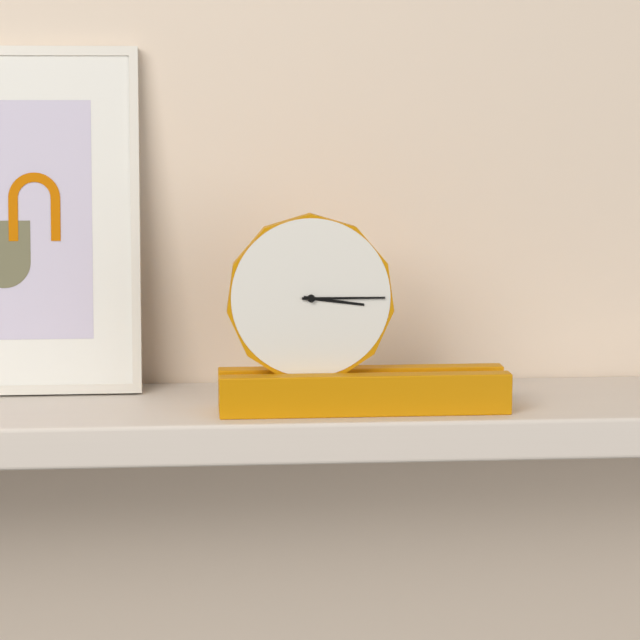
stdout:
3h15
